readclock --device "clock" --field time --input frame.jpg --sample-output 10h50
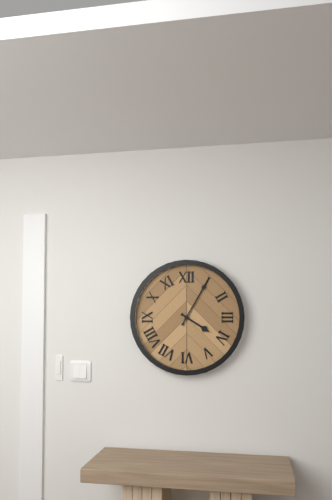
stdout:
4h05
